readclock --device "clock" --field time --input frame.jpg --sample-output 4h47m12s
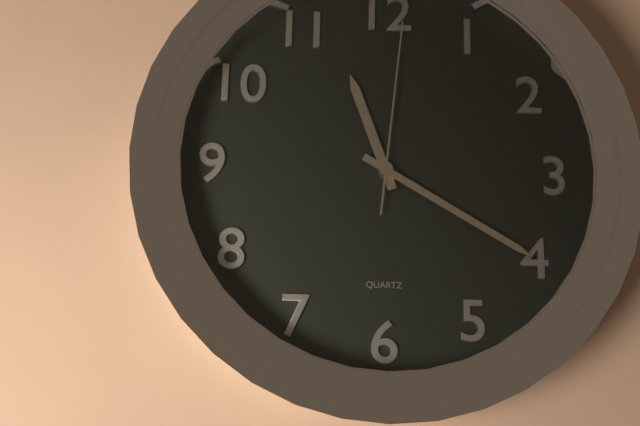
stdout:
11h20m01s
